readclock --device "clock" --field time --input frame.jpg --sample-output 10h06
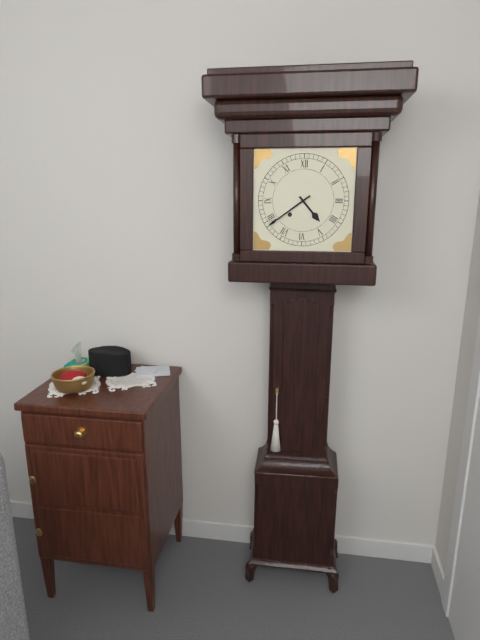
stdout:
4h39
